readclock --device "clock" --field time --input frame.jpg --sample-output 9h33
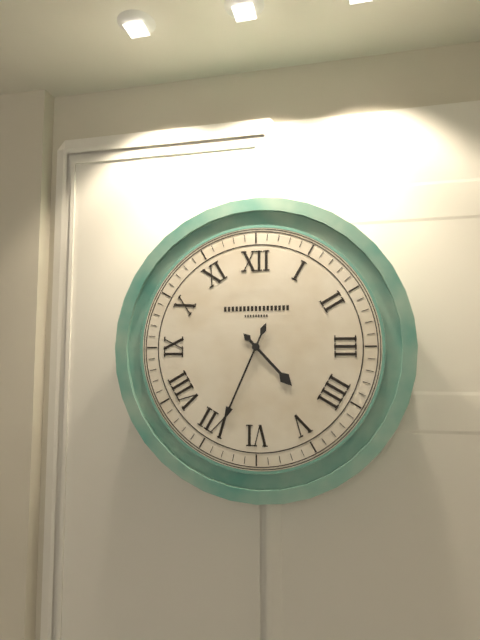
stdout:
4h34
